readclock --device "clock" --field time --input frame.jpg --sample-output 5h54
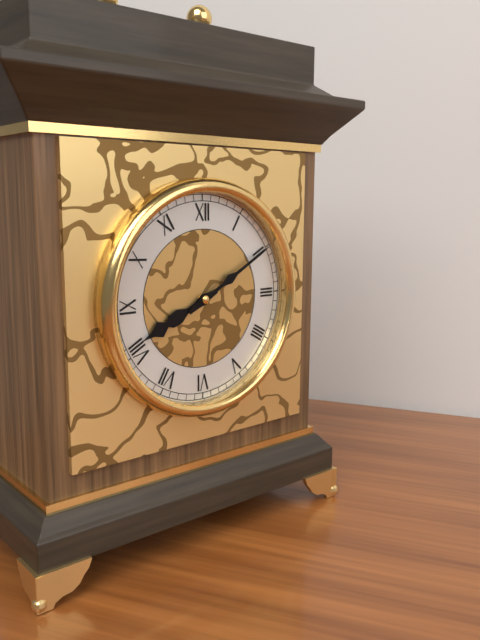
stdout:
8h10
